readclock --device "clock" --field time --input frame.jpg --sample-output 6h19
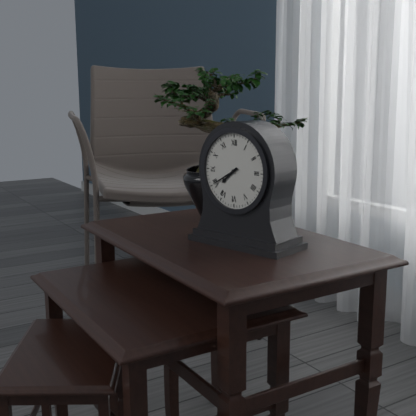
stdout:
7h40
